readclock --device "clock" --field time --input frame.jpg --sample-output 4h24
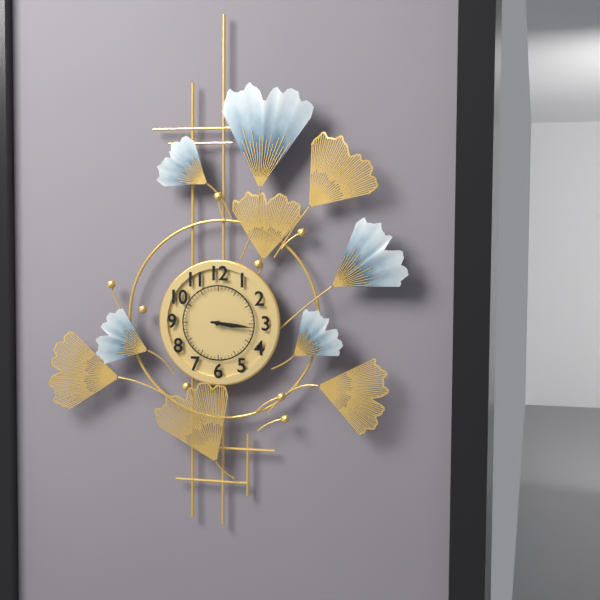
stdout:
3h16
